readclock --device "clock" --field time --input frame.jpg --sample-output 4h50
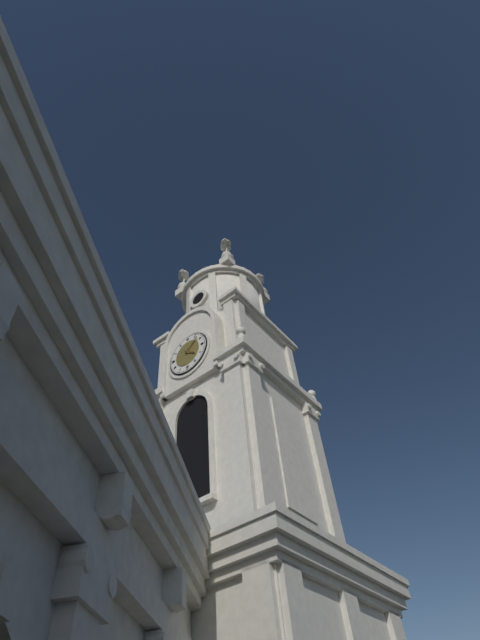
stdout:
4h08
